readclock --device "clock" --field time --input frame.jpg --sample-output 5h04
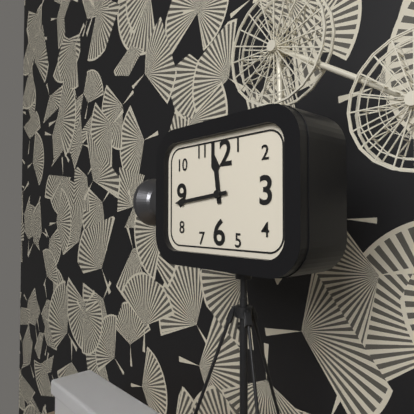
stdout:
11h44
